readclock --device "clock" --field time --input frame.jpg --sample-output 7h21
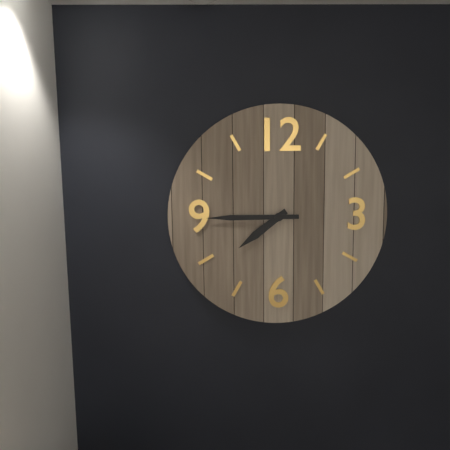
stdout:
7h45
